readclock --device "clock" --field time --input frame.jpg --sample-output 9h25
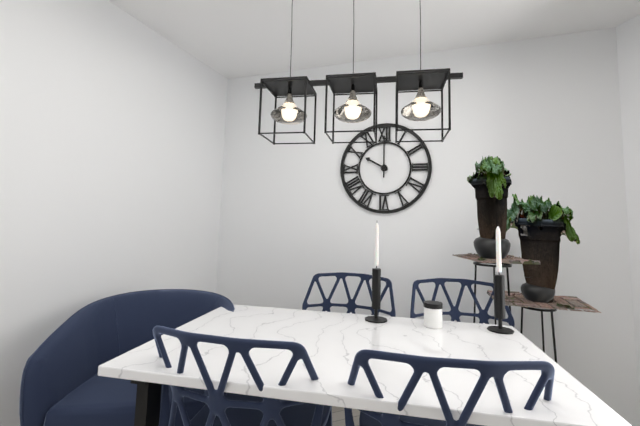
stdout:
10h00
